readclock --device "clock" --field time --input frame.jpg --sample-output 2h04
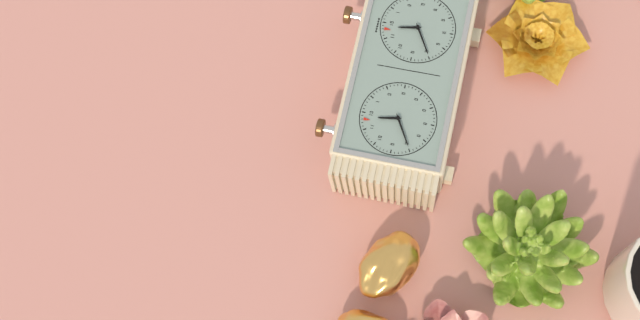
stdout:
11h40
